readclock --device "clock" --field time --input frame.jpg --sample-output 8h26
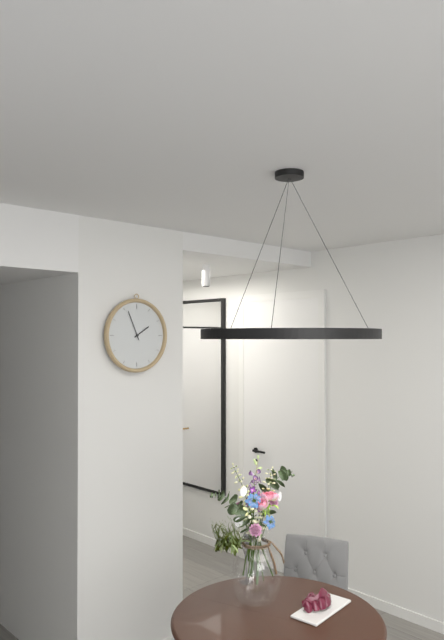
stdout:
1h56
